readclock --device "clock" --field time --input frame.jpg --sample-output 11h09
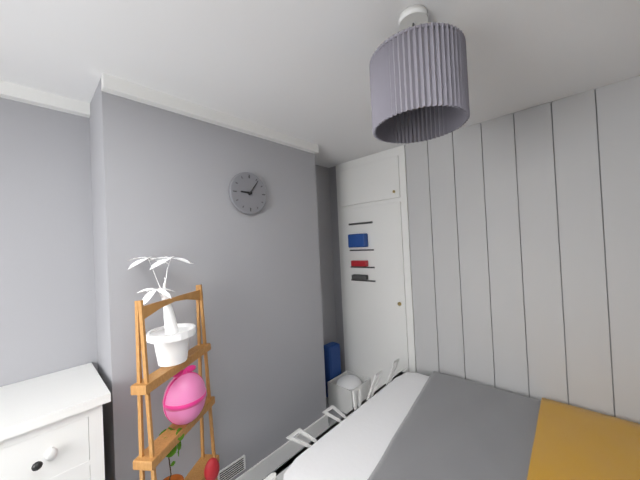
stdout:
9h06
